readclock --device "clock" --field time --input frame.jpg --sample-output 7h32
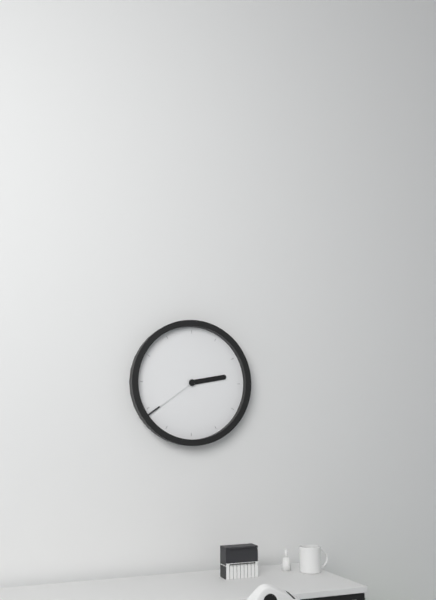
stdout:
2h39
